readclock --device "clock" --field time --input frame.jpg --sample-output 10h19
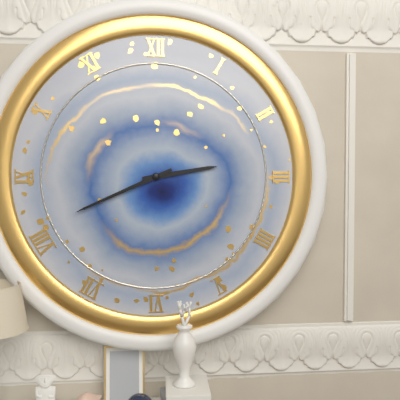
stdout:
2h41
